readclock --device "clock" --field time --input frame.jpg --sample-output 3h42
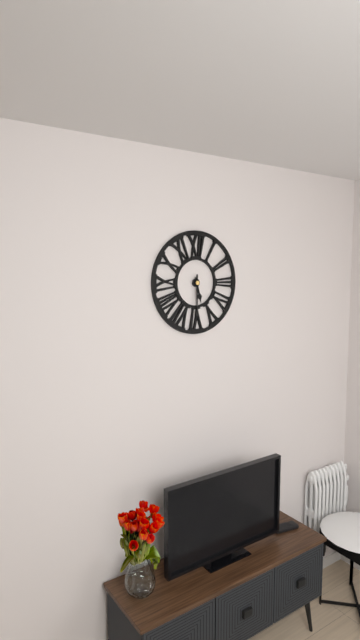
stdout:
5h30
